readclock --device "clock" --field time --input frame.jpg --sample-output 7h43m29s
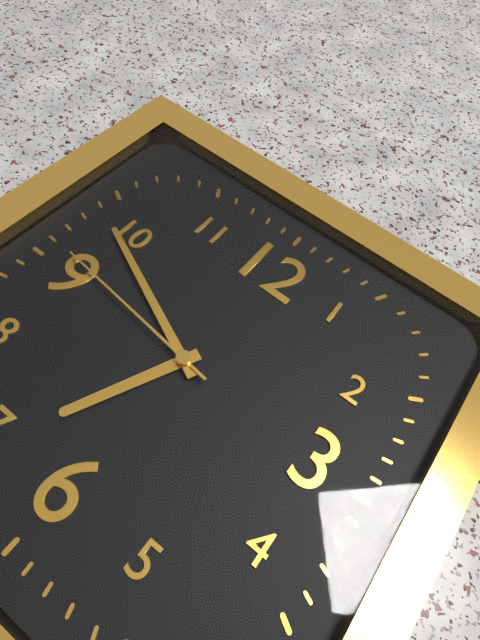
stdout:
6h49m46s
